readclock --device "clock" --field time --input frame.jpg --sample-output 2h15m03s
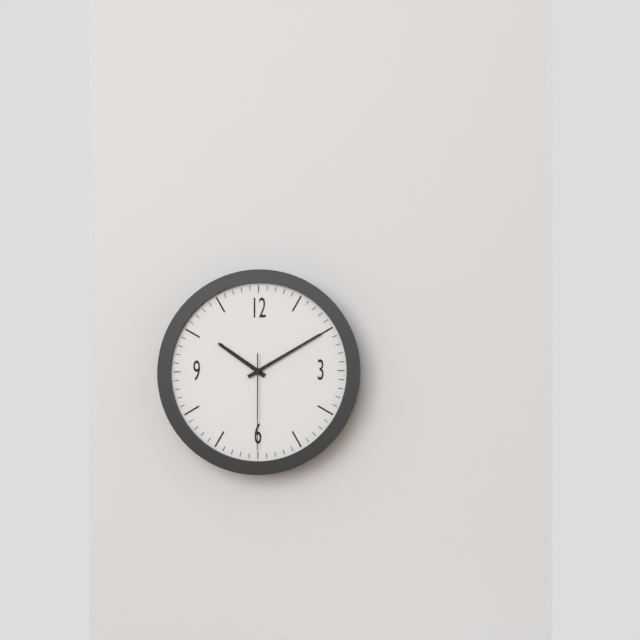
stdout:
10h10m30s
